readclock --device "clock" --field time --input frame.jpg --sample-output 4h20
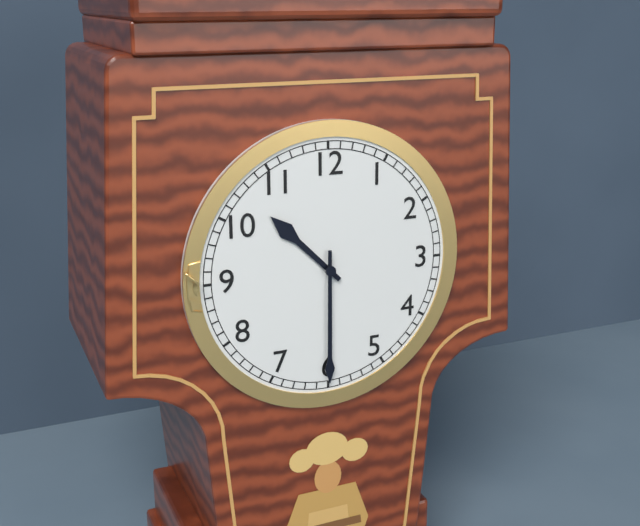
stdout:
10h30
